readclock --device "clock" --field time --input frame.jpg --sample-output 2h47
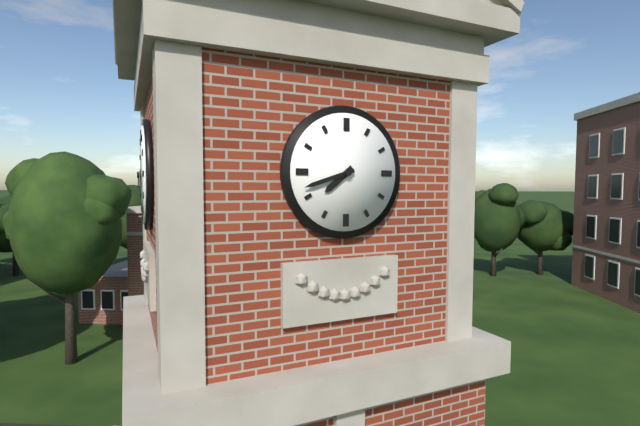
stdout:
7h42
